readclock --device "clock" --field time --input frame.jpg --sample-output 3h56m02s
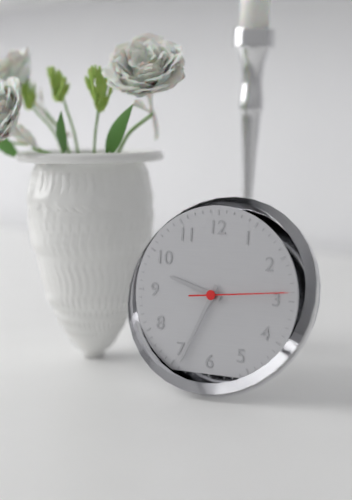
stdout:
9h34m14s
